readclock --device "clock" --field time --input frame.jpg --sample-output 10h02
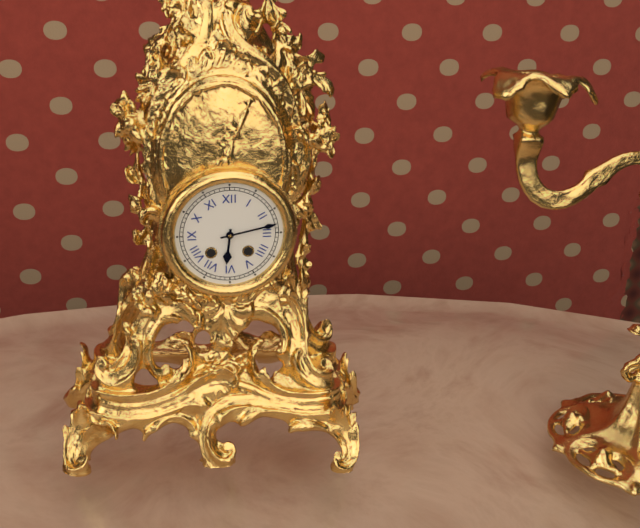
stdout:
6h13
